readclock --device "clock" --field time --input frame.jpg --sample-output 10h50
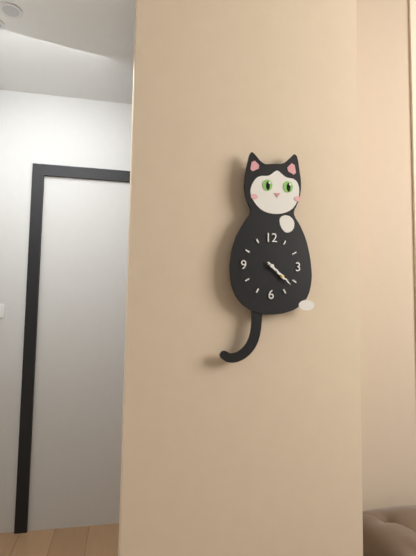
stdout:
4h22
